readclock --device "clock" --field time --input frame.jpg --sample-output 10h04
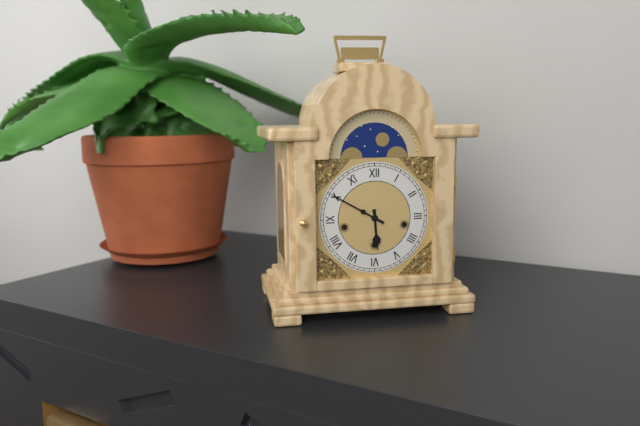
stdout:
5h50
